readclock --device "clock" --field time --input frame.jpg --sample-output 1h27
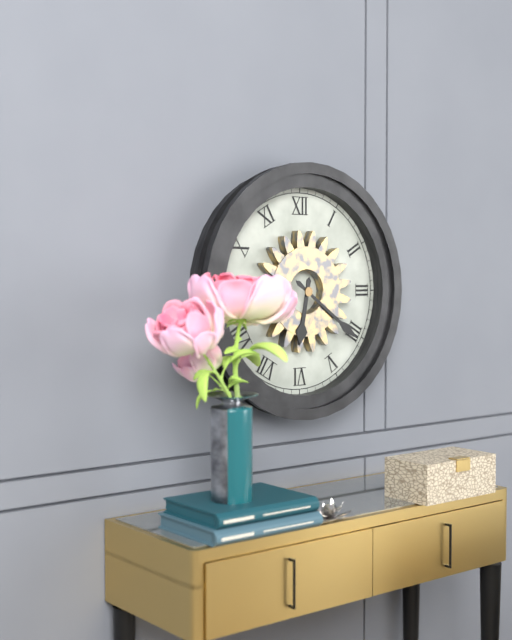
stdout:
6h21
